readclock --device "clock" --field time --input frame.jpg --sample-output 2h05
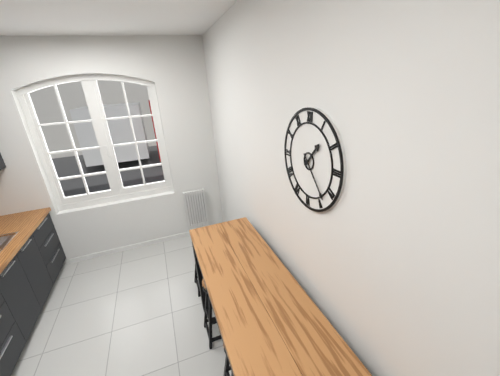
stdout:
1h23
